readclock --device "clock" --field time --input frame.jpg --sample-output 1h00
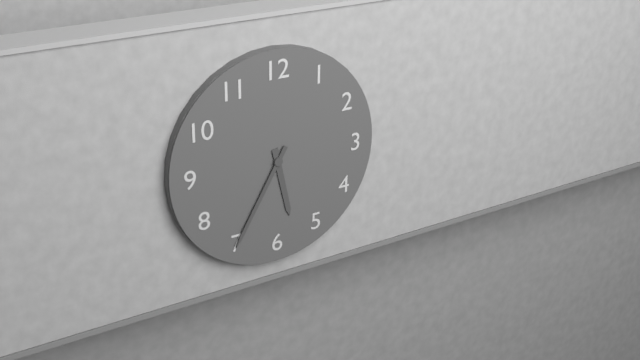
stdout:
5h35
